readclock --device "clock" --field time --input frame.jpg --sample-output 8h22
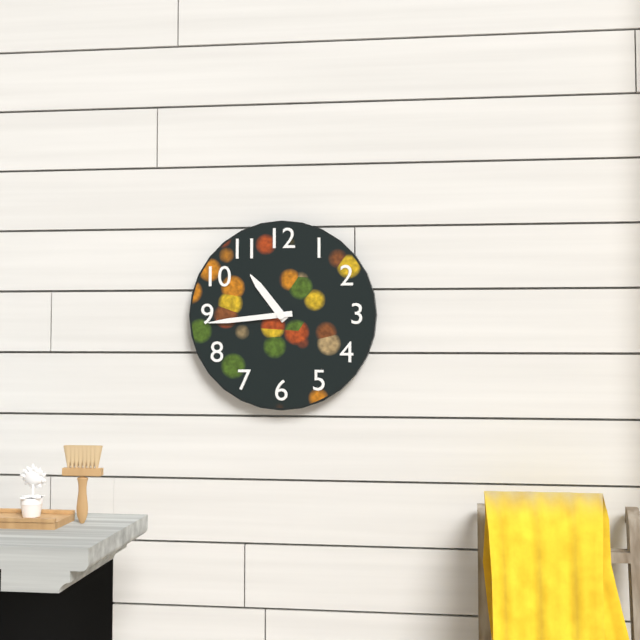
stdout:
10h44
